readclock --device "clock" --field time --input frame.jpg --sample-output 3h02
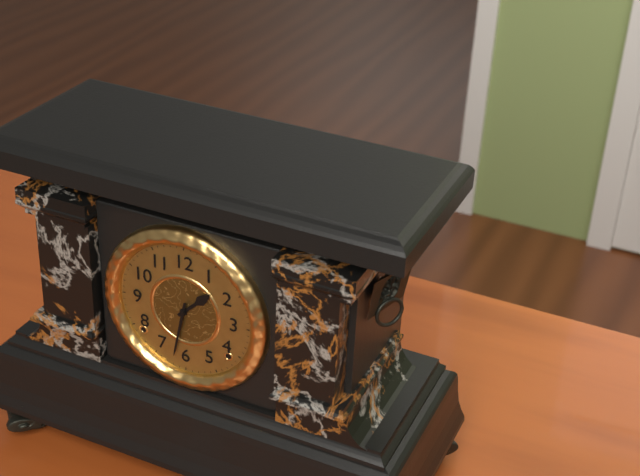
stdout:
1h32
